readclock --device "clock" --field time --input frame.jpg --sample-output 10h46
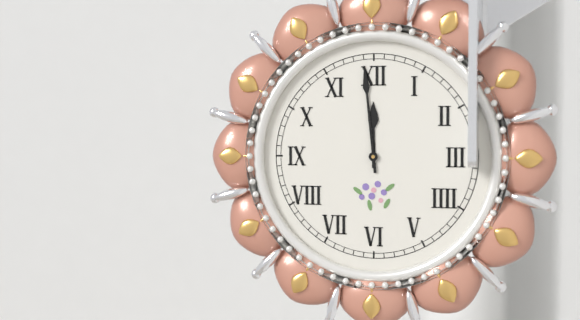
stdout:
11h59
